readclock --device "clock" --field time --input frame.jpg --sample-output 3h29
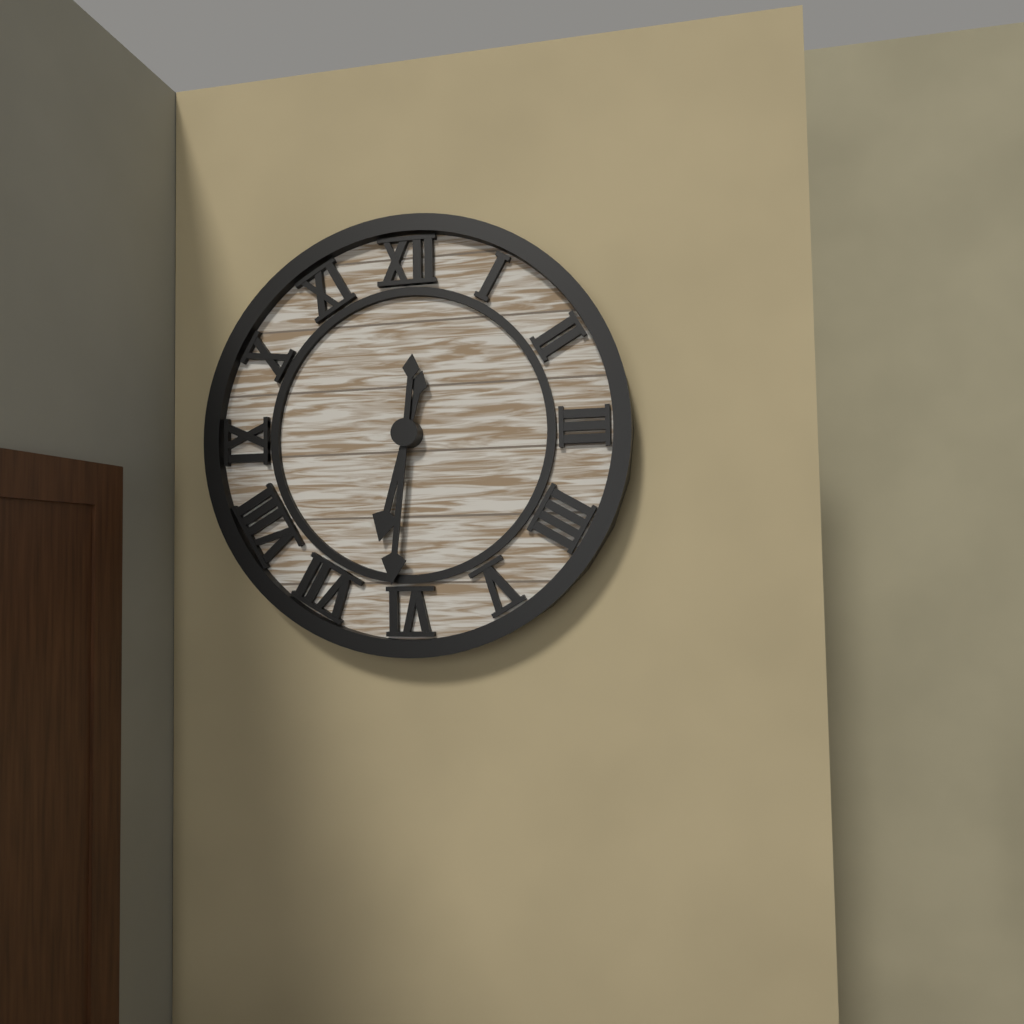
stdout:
6h31
